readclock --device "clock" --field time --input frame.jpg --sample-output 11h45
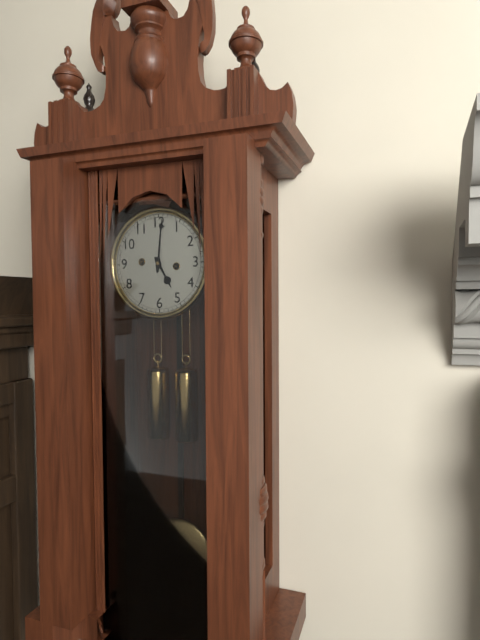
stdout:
5h01
